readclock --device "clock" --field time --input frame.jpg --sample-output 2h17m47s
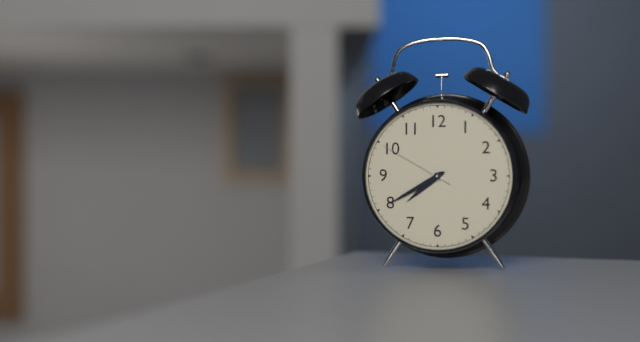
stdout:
7h40m50s
